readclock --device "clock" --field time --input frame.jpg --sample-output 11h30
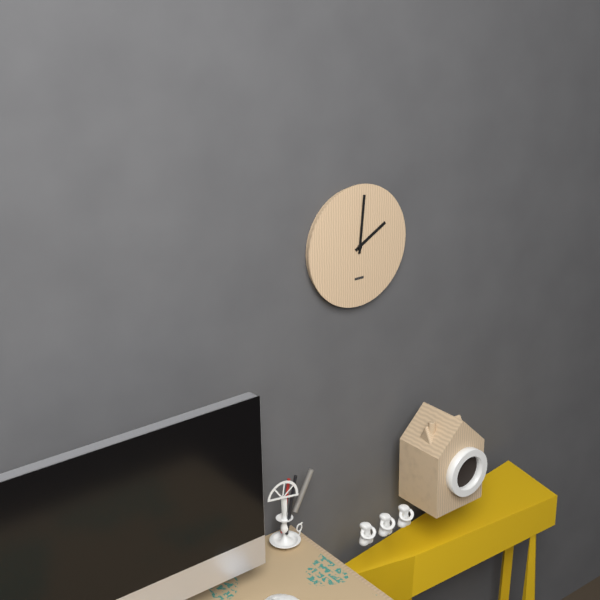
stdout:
2h01
